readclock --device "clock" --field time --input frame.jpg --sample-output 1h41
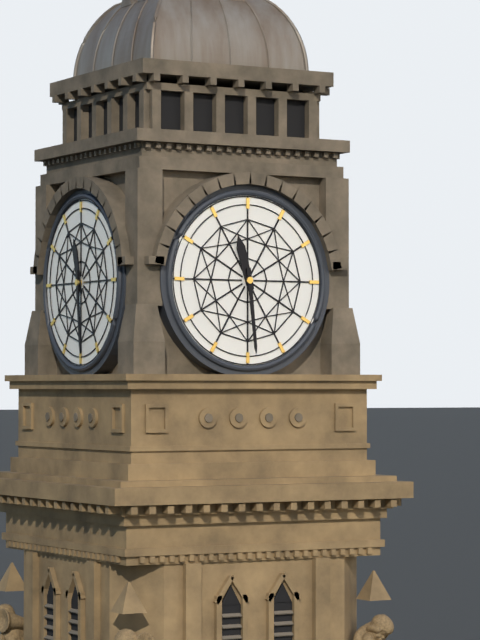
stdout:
11h29
